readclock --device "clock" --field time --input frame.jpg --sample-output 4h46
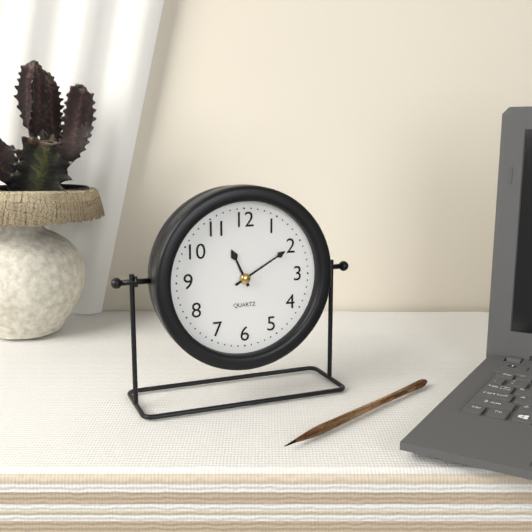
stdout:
11h10
